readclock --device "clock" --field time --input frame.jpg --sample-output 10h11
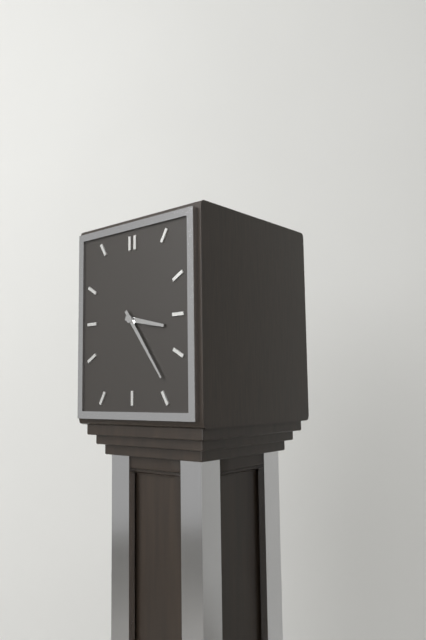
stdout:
3h24
